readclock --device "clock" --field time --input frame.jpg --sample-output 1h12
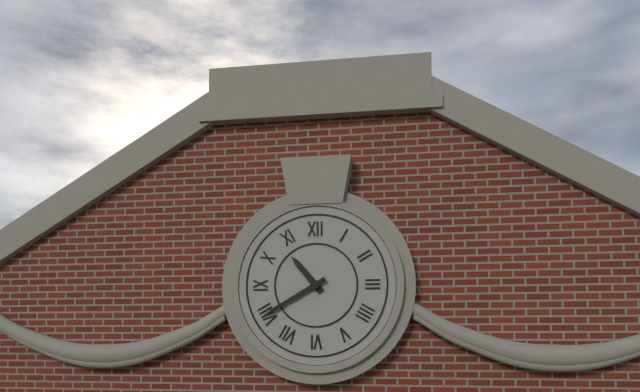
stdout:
10h40
